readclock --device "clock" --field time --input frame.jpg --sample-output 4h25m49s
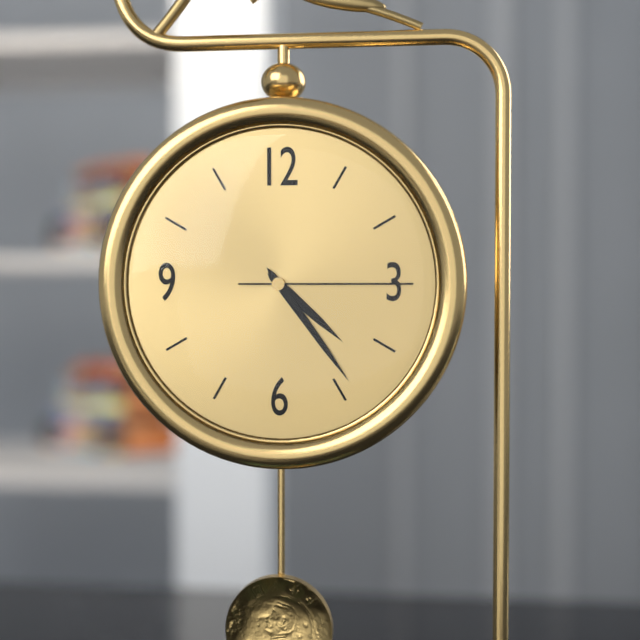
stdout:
4h24m15s
